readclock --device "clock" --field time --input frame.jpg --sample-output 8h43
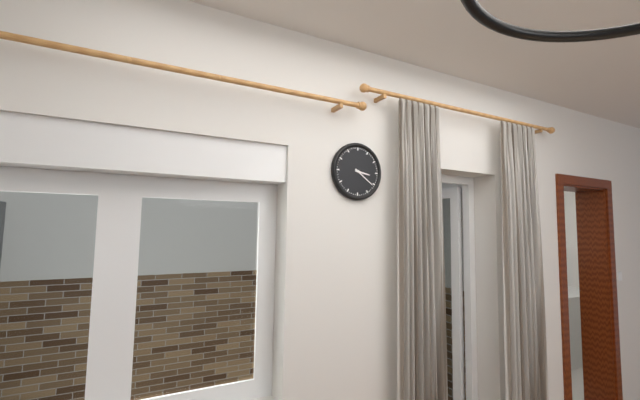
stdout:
3h21
